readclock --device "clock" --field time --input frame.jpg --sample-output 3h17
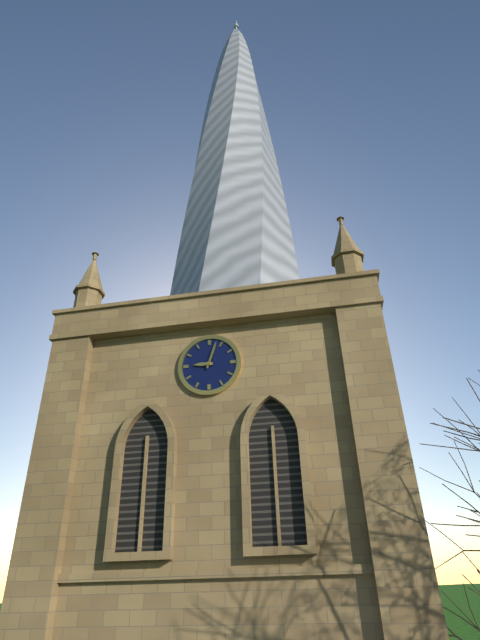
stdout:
9h03
